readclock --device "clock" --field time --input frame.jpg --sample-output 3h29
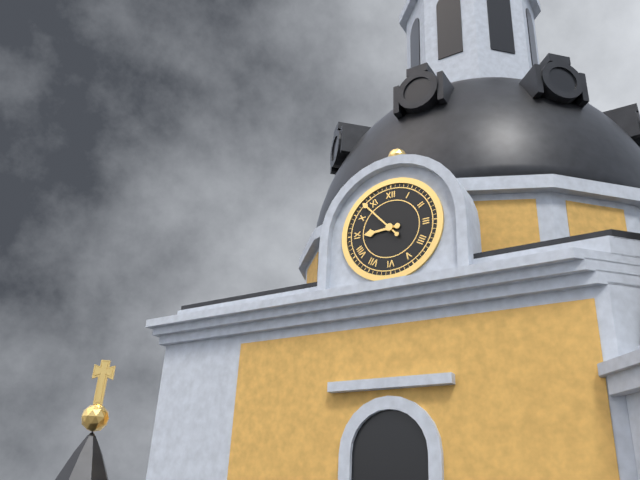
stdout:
8h53
